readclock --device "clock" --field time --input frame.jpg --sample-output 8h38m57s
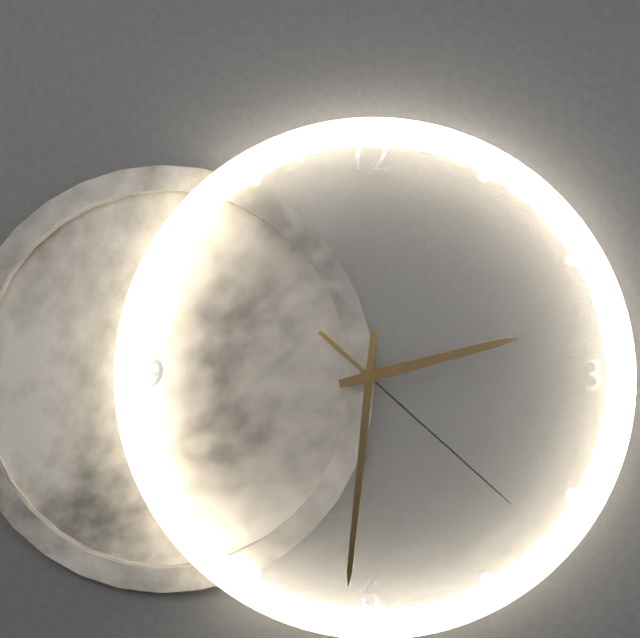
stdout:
2h31m22s
